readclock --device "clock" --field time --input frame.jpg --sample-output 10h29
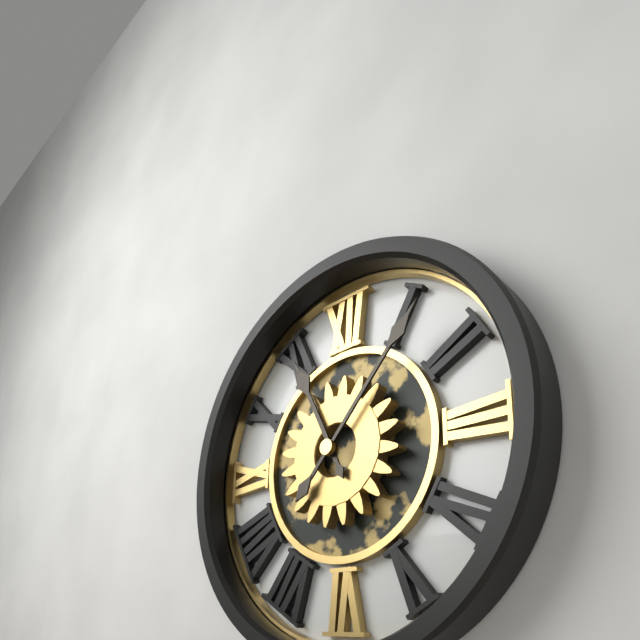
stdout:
11h07
